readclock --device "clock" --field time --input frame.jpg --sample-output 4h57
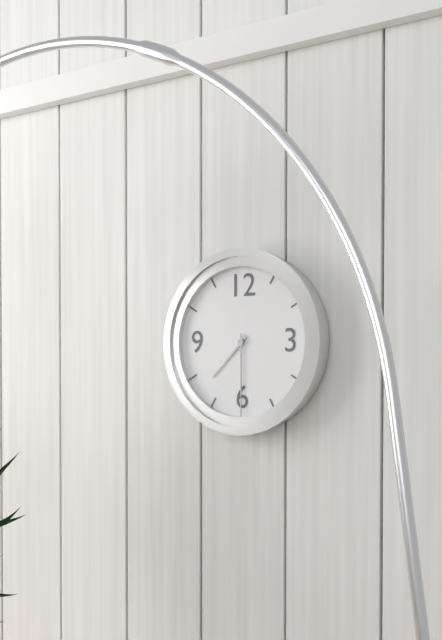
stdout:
7h30
